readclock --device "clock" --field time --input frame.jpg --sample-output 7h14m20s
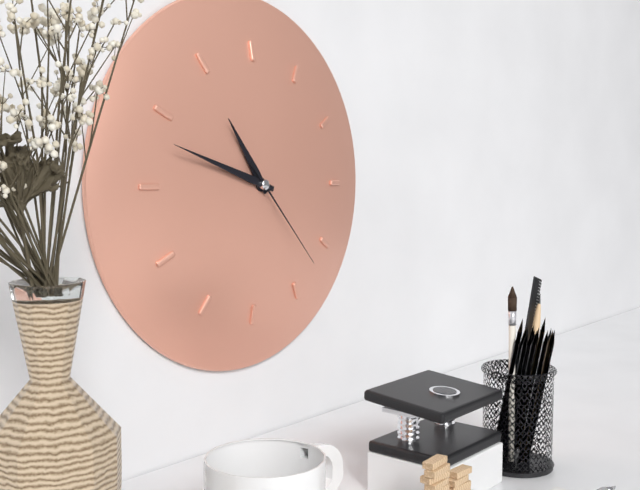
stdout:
10h48m23s
